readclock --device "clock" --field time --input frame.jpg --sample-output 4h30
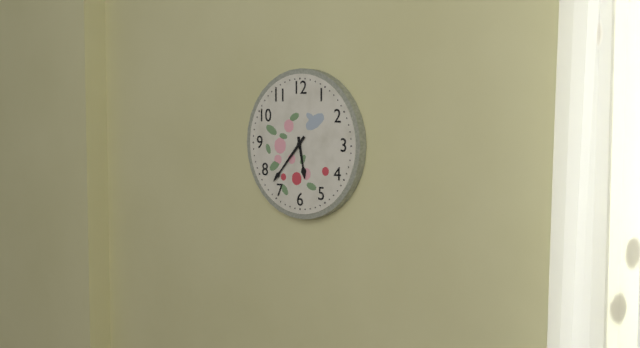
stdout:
5h37
